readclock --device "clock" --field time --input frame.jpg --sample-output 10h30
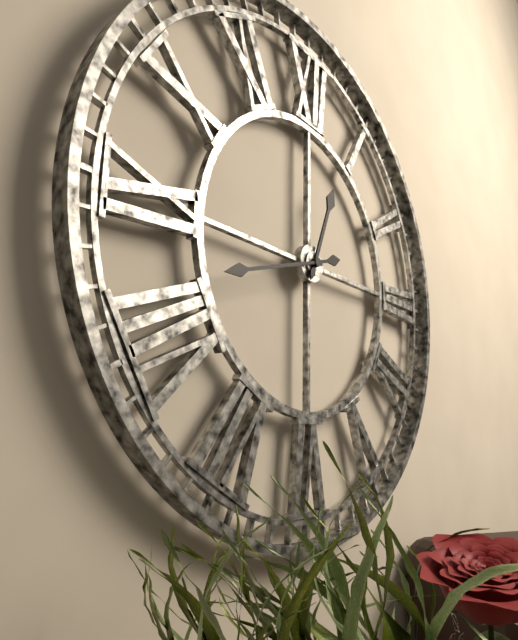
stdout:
12h42
